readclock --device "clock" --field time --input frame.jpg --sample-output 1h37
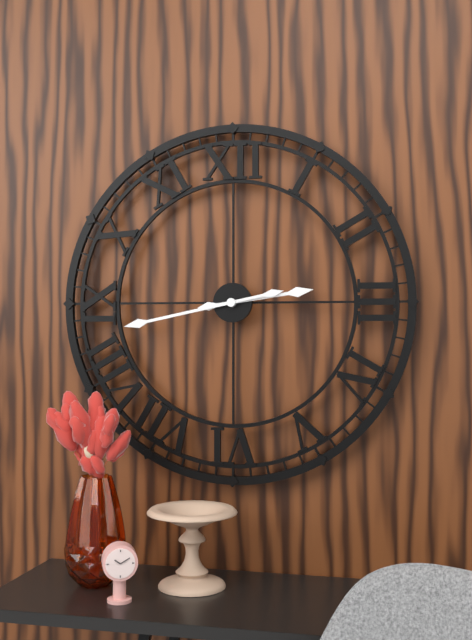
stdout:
2h43
